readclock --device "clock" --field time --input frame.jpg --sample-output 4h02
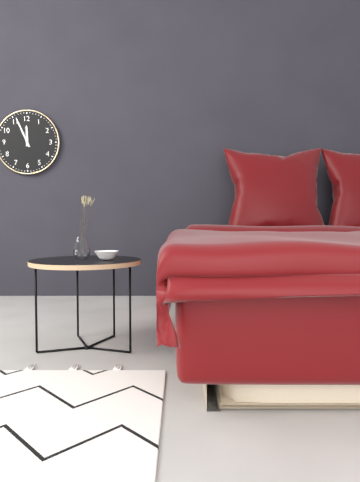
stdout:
11h56
